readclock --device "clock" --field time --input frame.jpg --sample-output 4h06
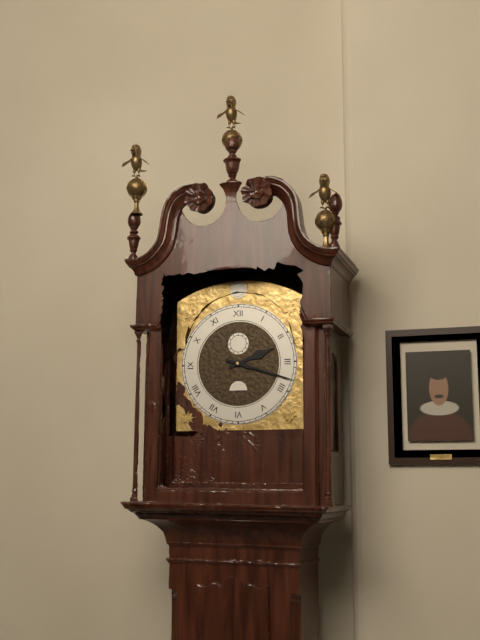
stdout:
2h18
